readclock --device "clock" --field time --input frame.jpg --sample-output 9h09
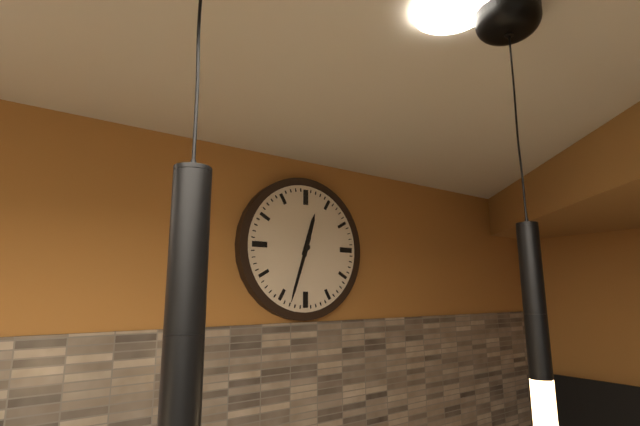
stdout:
12h33
